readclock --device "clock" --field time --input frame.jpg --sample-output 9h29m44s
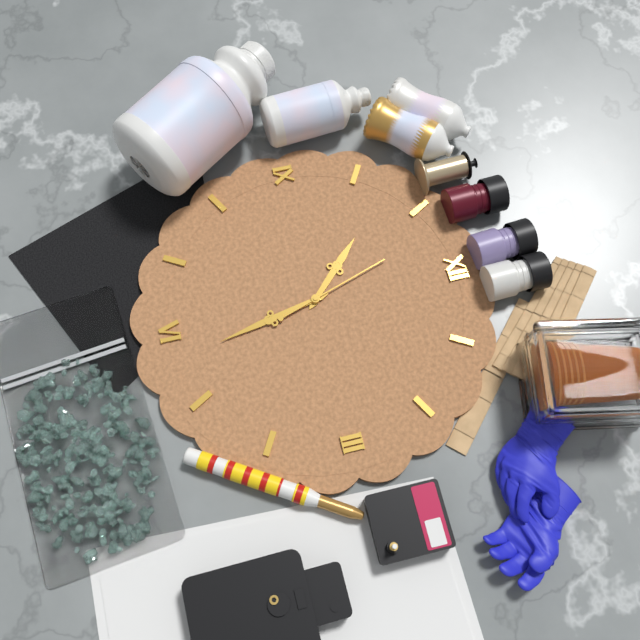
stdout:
10h28m57s
